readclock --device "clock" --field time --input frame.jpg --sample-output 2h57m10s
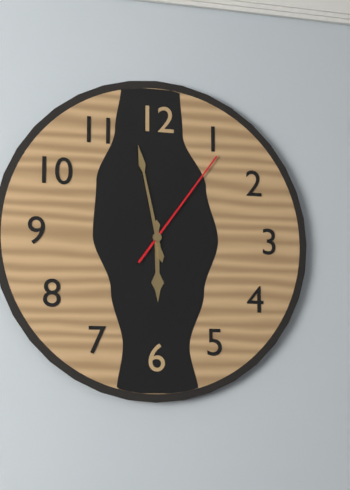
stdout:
5h58m06s
